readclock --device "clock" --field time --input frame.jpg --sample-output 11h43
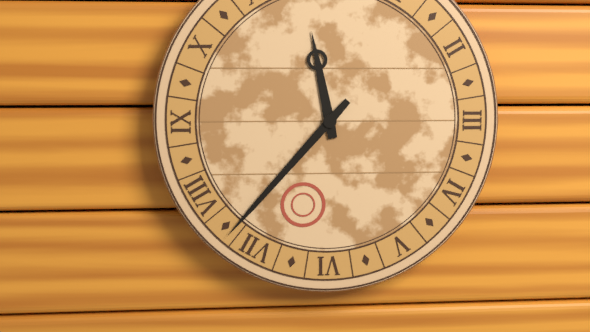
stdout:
11h37
